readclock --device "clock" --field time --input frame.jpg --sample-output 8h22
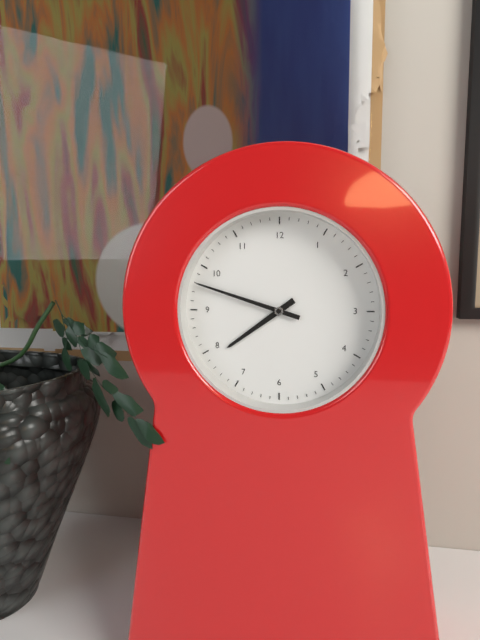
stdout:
7h48
